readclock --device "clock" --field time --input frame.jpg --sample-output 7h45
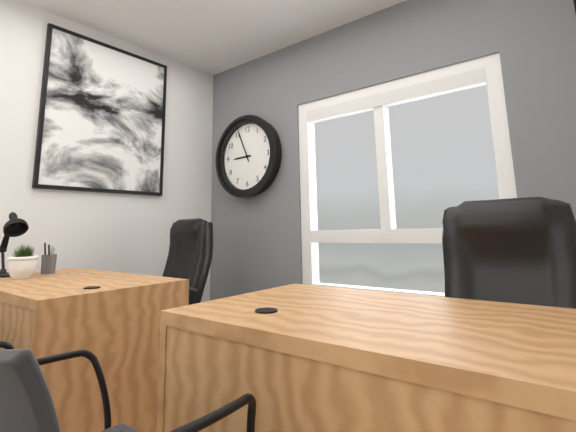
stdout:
8h56
